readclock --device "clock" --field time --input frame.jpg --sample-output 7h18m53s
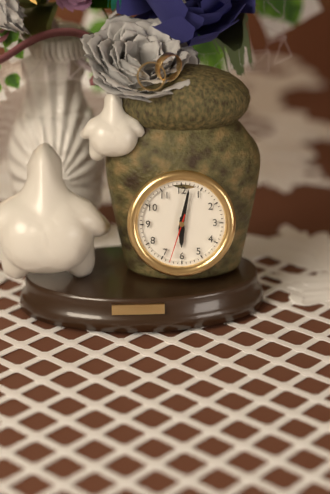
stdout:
6h02m33s
